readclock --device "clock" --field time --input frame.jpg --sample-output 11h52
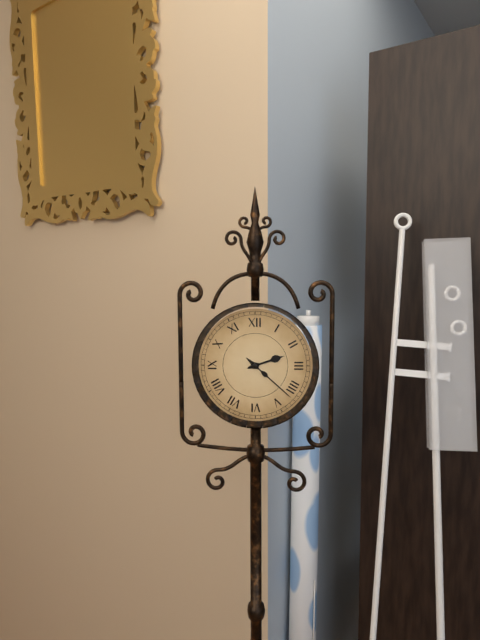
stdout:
2h22
